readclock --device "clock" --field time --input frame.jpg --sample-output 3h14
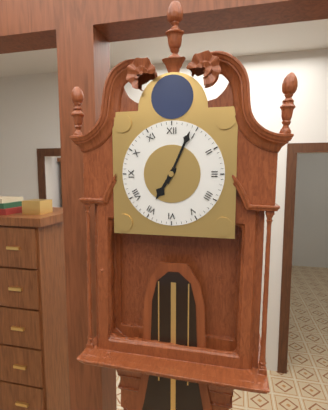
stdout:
7h04
